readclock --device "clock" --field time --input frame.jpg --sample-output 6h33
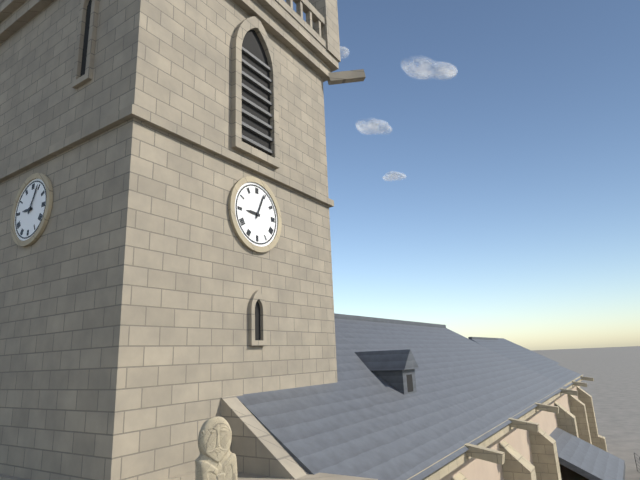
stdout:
9h04
